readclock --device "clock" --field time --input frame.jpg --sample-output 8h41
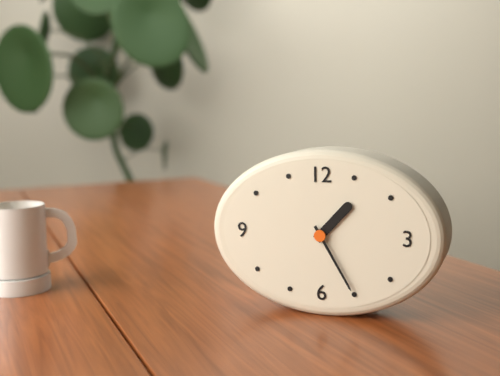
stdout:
1h25
